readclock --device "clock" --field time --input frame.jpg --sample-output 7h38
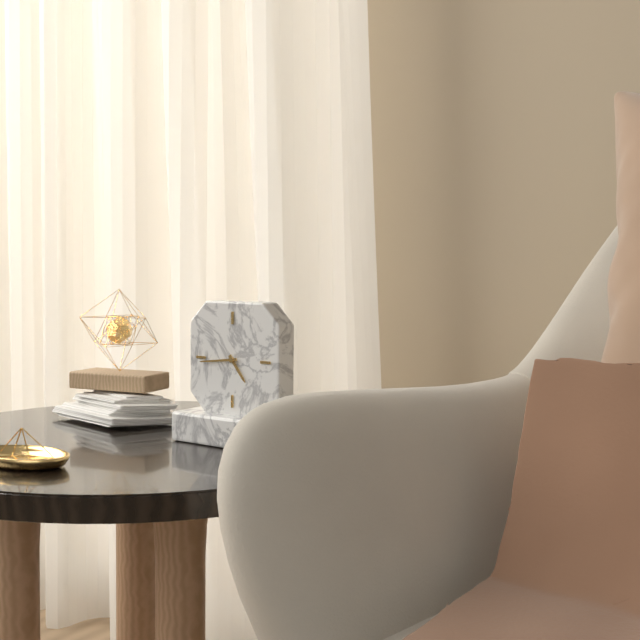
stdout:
4h44
